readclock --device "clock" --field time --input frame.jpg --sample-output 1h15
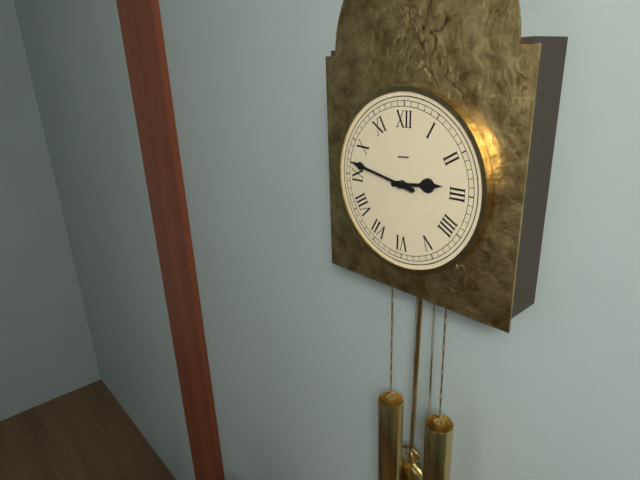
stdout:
2h47
